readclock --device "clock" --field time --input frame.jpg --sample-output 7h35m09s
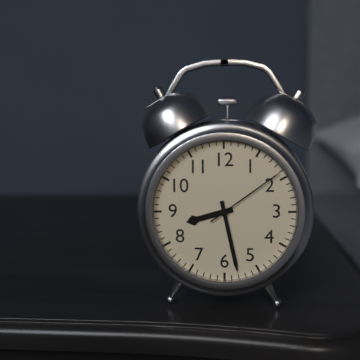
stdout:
8h28m09s
